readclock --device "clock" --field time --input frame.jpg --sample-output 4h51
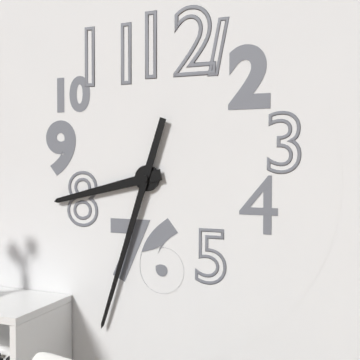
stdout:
8h33
